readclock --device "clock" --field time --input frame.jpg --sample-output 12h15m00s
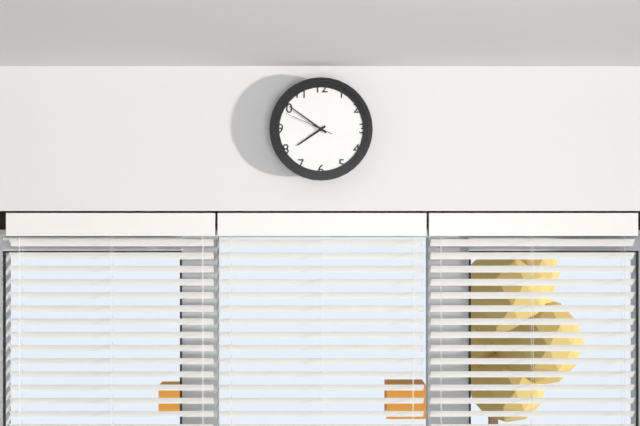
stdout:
7h51m49s
